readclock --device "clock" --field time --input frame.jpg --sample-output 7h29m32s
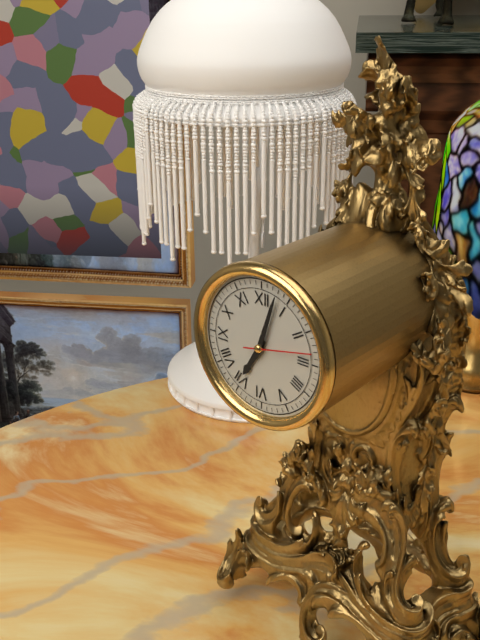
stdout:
7h03m13s
